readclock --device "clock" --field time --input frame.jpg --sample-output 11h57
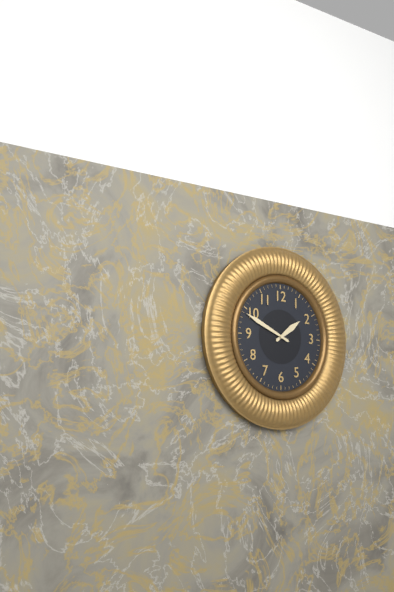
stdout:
1h49
